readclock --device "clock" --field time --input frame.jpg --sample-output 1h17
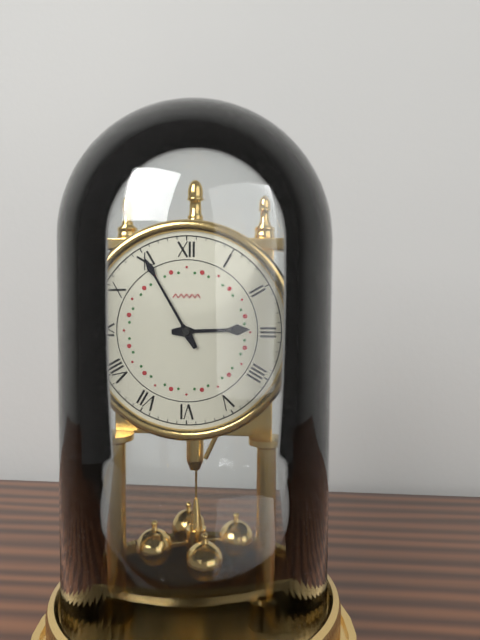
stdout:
2h55
